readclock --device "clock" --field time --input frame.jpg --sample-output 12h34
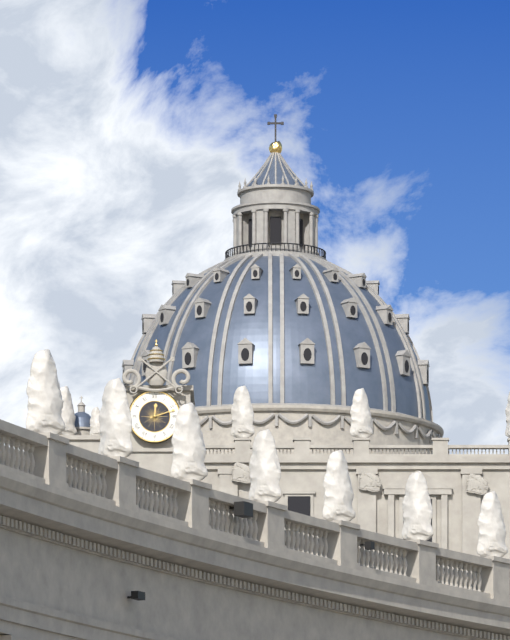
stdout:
12h12
